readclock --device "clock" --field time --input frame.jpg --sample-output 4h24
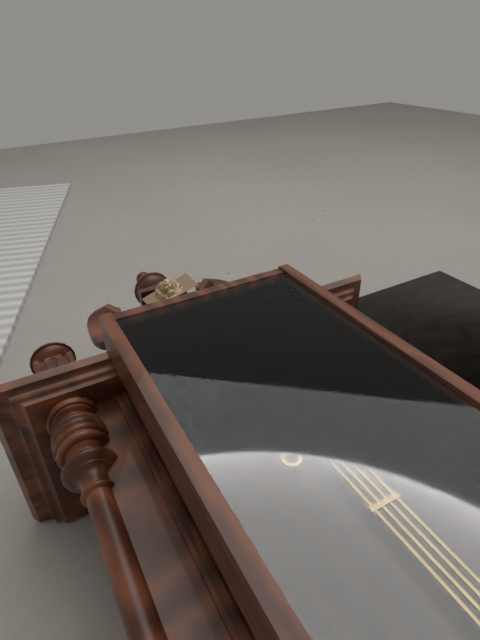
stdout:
4h56
